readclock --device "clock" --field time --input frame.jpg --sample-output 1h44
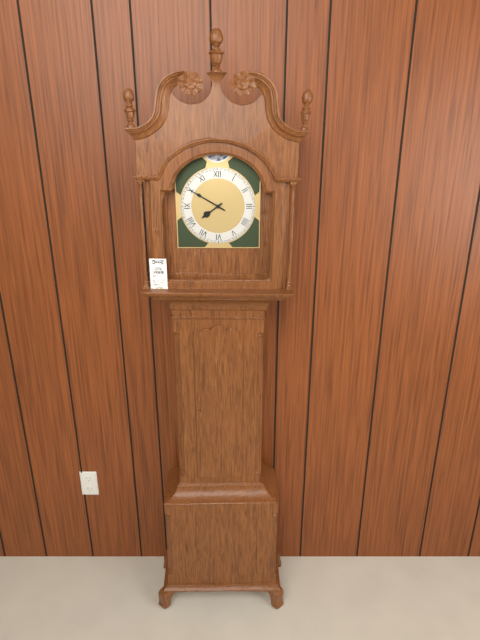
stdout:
7h50
